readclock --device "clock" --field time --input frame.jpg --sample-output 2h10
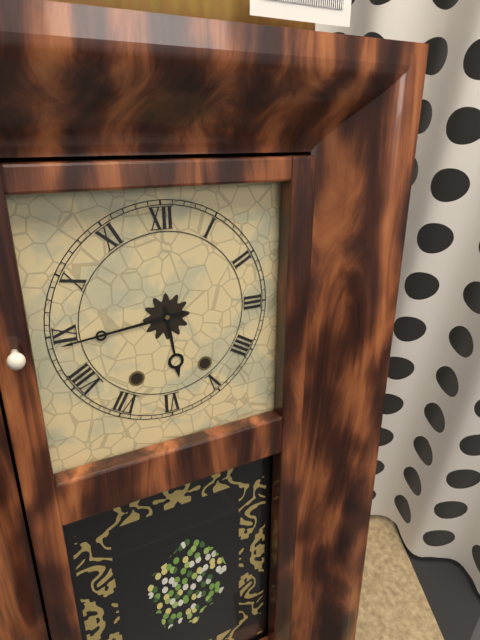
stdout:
5h44
